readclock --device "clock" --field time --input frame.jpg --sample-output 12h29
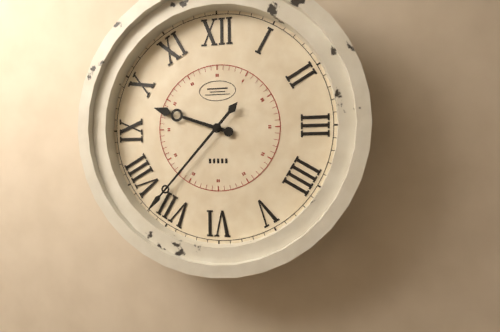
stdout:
9h37
